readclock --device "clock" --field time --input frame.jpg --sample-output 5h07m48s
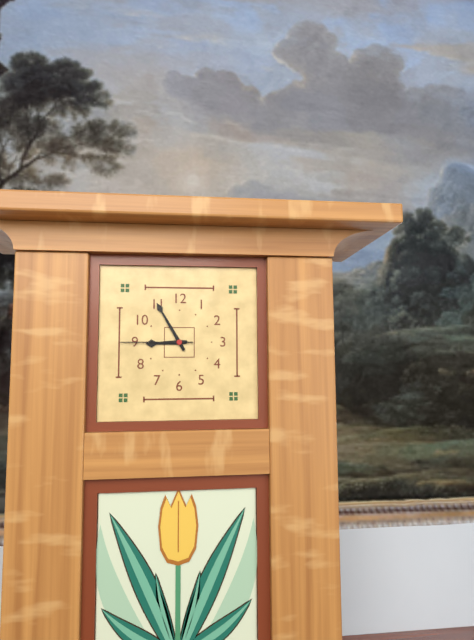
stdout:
8h55m45s
